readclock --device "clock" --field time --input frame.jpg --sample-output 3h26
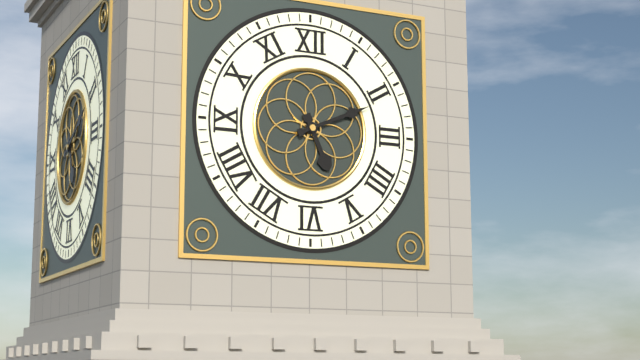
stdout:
5h11
